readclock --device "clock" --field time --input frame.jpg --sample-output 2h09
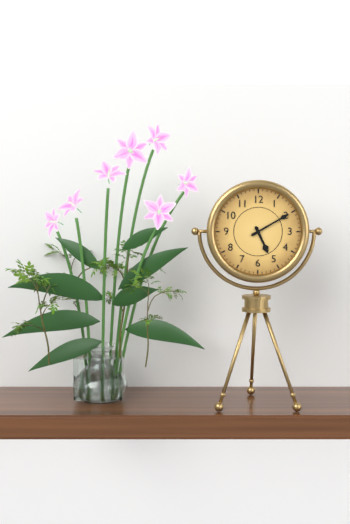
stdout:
5h10
